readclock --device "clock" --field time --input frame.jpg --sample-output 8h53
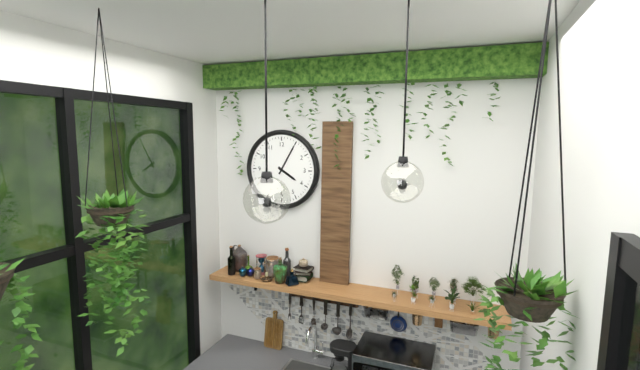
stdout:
4h05
